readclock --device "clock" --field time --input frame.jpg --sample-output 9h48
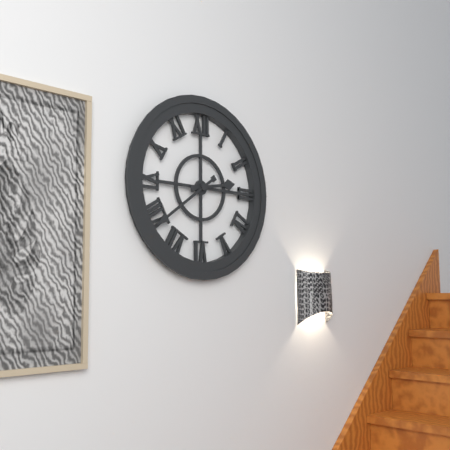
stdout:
2h39
